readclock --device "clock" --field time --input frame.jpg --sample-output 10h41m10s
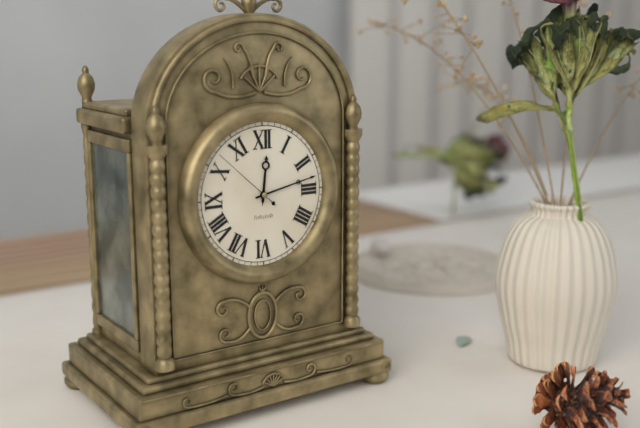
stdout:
12h13m52s
